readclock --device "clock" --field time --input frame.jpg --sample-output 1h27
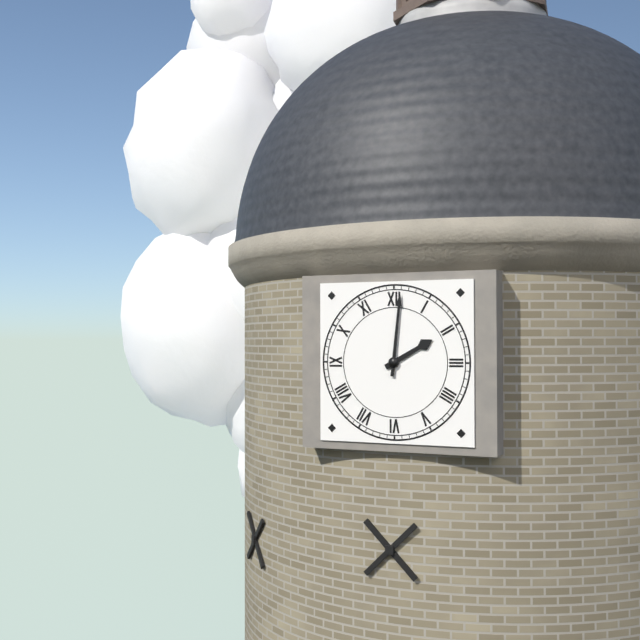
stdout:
2h01
